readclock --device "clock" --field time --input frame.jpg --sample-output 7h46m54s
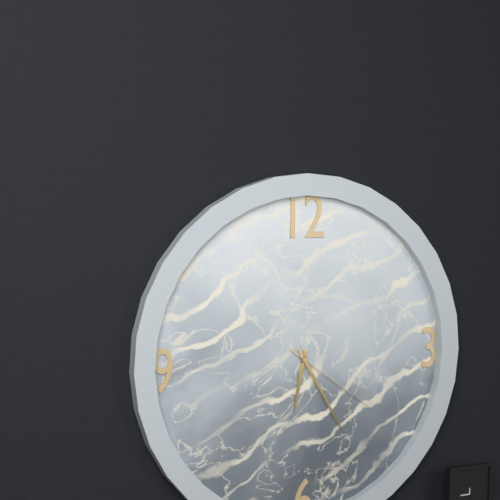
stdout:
6h25m21s
